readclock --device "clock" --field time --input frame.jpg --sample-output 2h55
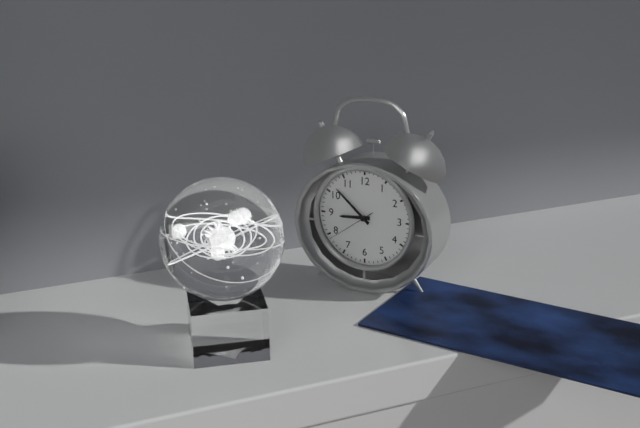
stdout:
8h52
